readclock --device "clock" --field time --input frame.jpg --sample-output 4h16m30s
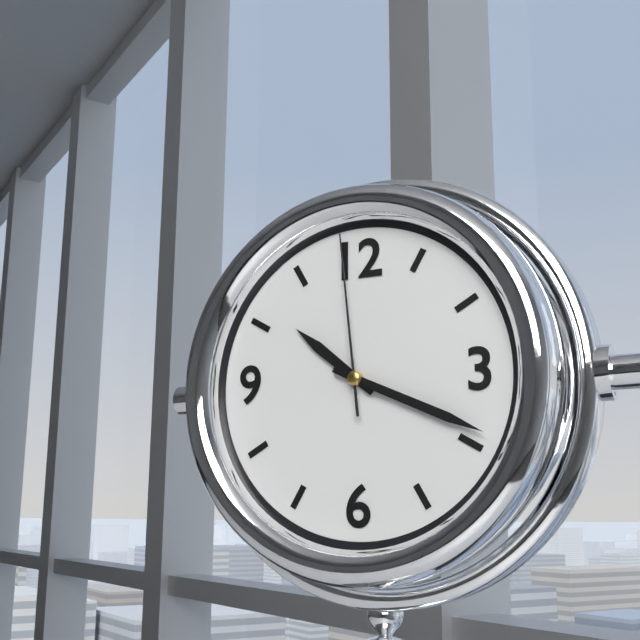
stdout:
10h19m59s
